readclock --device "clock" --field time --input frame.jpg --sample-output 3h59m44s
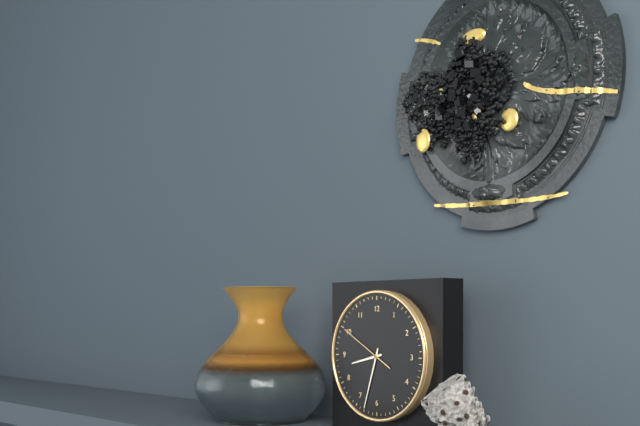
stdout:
8h33m50s
